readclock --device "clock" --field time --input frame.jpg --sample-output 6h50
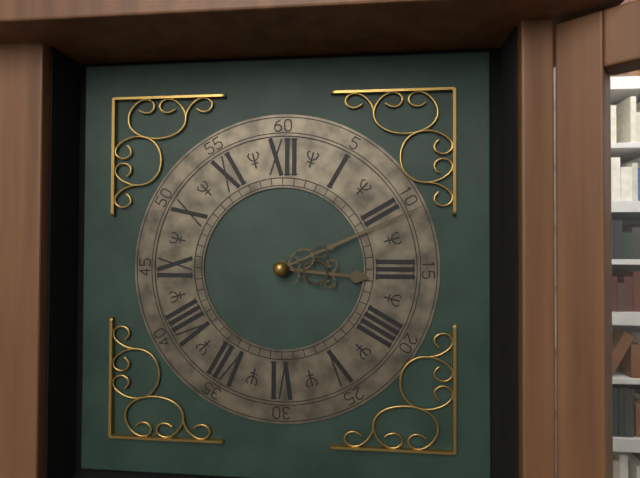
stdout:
3h11
